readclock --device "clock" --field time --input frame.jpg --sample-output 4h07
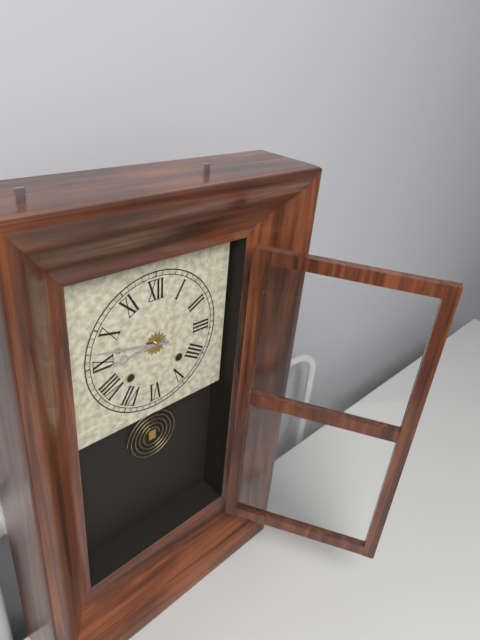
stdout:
8h47
